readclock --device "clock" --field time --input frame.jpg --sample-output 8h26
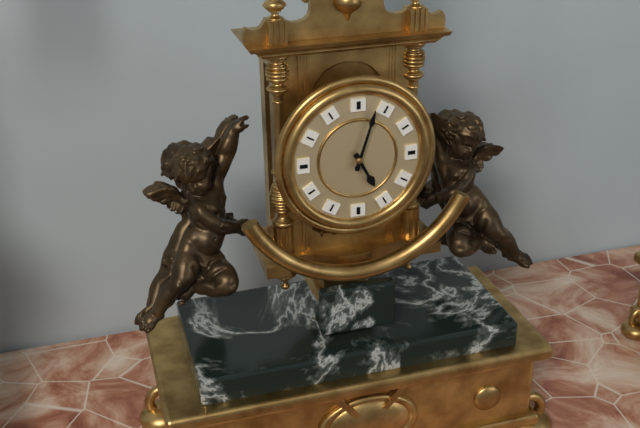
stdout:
5h03
